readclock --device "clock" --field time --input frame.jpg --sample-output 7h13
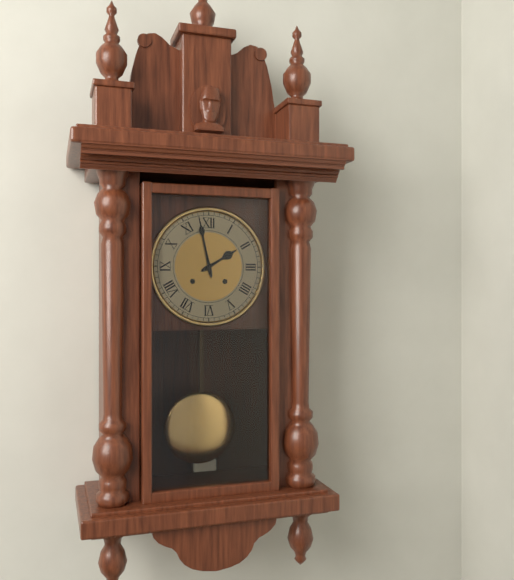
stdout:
1h58
